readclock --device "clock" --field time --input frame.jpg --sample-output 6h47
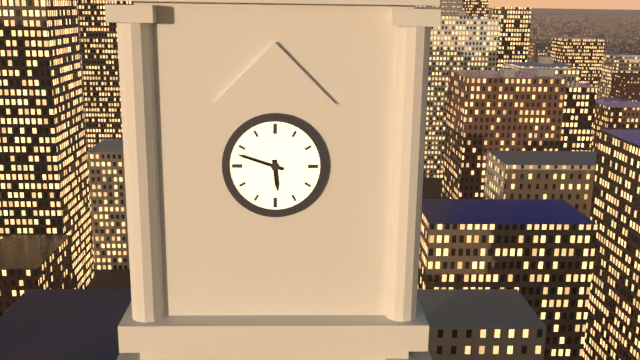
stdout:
5h48
